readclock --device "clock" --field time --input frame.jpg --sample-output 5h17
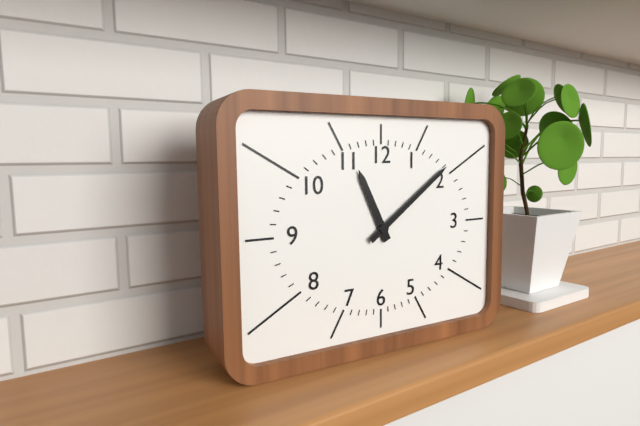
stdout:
11h09
